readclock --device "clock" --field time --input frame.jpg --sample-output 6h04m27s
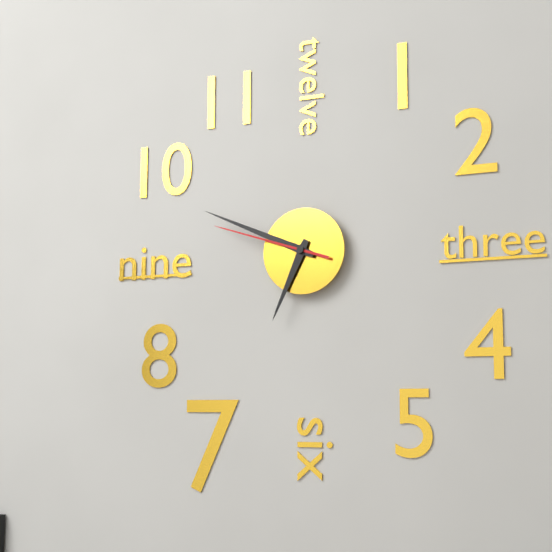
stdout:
6h49m48s
